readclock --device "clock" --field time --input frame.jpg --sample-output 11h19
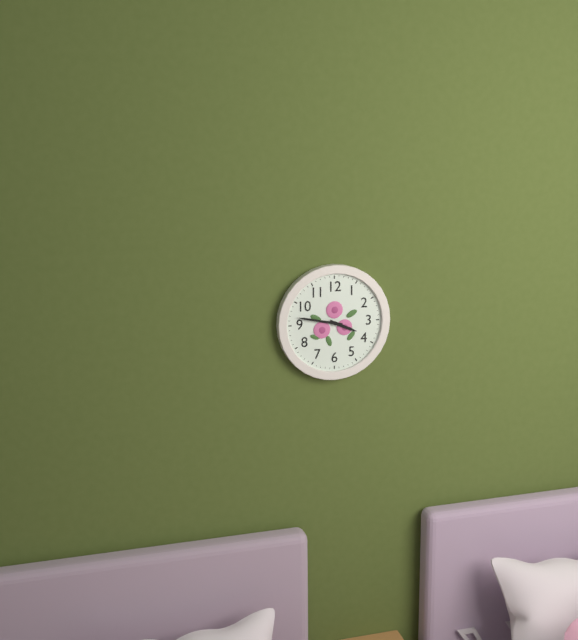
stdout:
3h47
